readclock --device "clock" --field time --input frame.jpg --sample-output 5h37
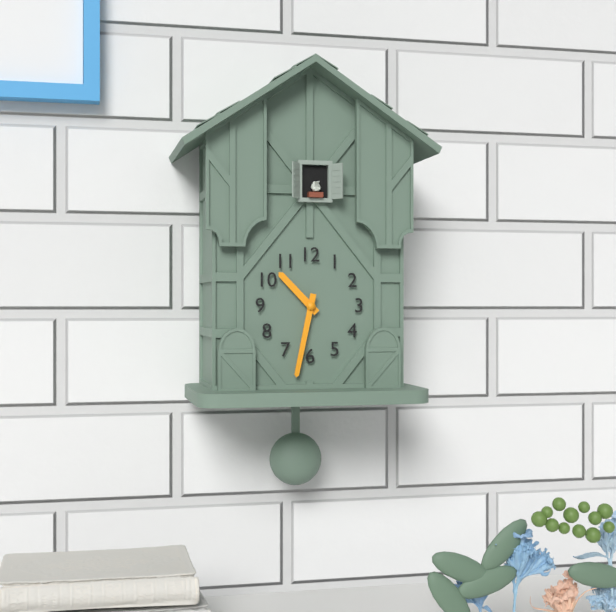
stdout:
10h32
